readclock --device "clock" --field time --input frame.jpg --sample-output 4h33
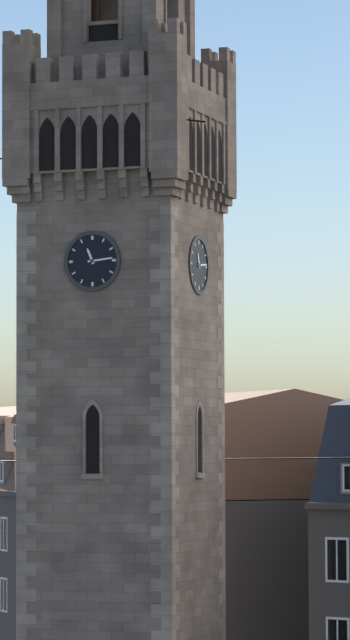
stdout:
11h14
